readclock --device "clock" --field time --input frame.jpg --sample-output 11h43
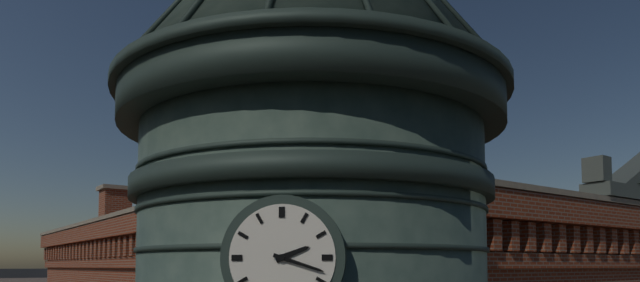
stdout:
2h18
